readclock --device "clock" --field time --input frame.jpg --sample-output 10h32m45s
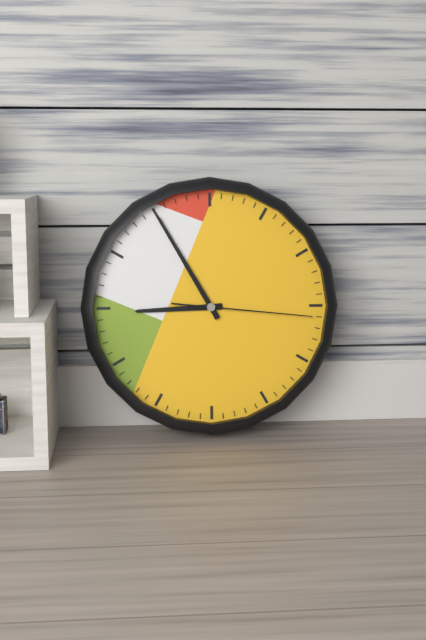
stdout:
8h55m16s
